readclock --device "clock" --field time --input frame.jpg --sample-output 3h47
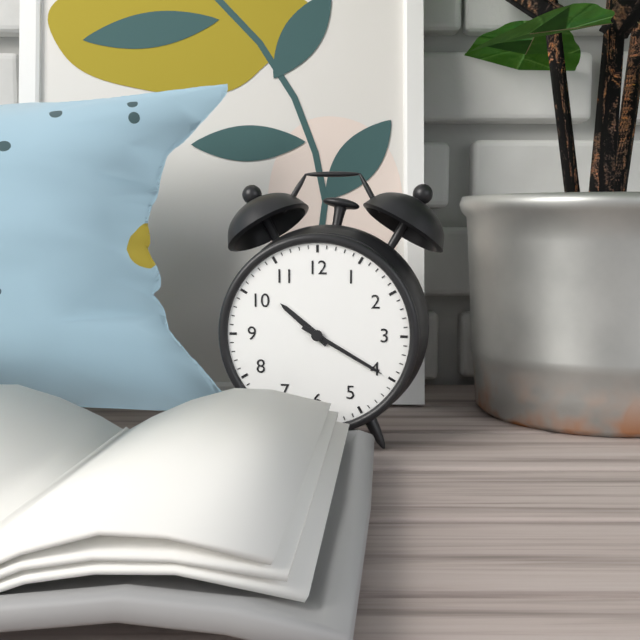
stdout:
10h20
